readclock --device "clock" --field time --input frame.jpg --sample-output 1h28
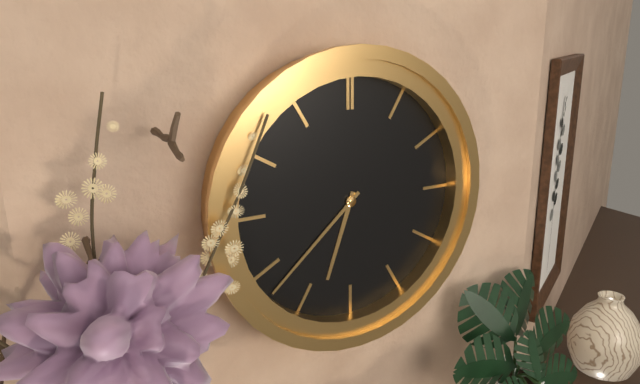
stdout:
6h38
